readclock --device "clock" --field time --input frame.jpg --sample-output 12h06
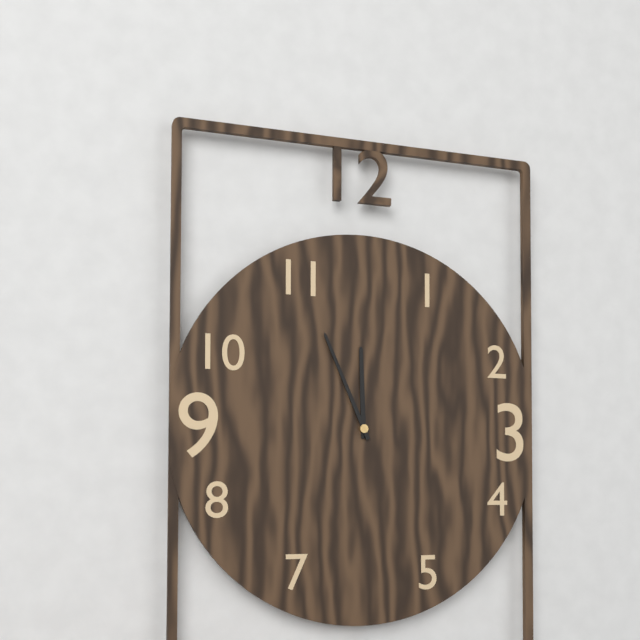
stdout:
11h56
